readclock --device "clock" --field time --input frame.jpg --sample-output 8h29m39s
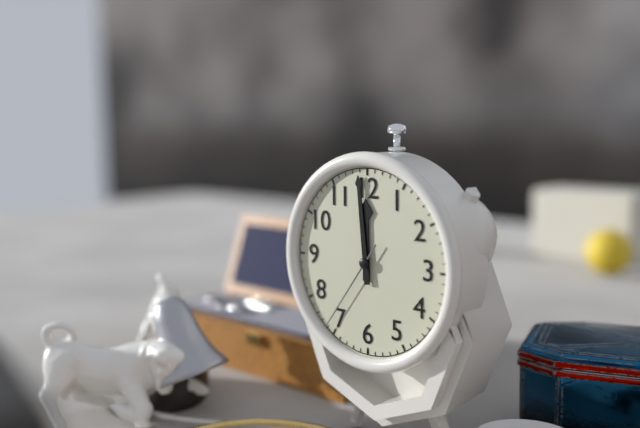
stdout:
11h59m36s
